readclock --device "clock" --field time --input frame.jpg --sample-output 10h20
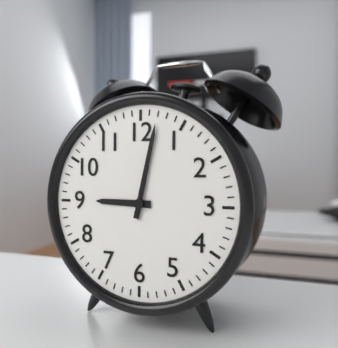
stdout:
9h02
